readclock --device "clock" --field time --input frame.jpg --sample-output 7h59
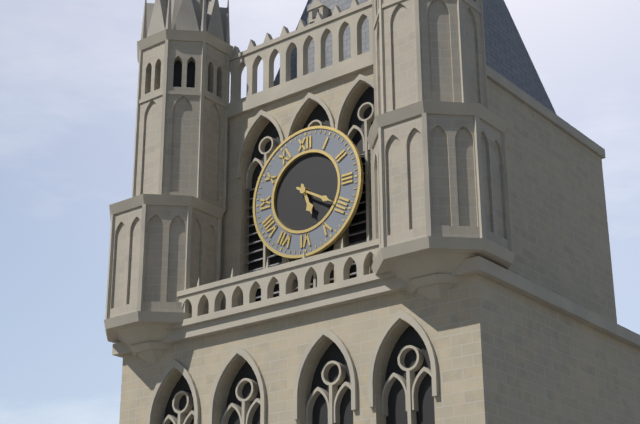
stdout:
5h20
